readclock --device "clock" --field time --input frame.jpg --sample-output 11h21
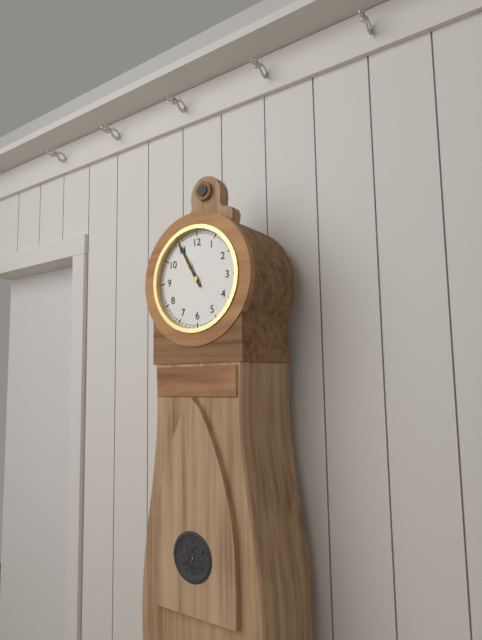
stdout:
10h55
